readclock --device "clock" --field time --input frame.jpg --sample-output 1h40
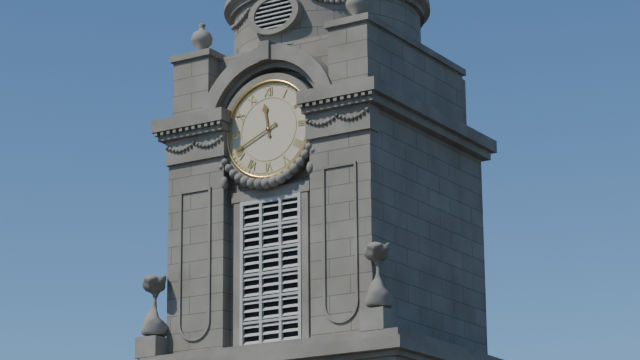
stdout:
11h41
